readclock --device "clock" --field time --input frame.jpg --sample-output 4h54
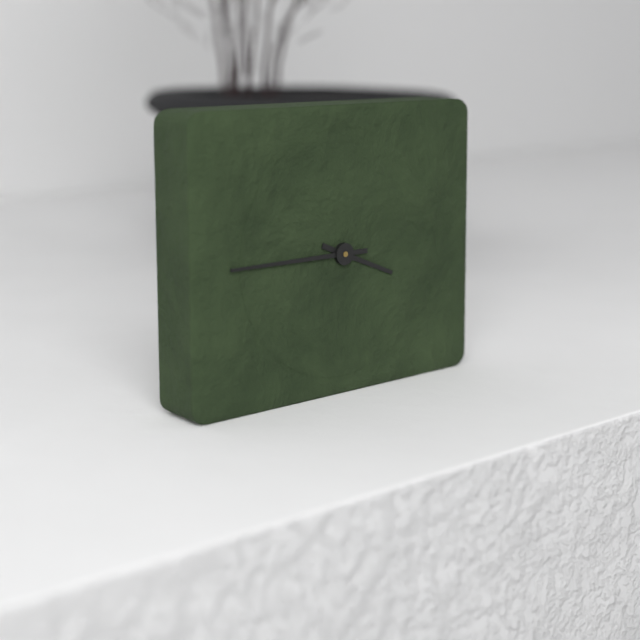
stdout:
3h45
